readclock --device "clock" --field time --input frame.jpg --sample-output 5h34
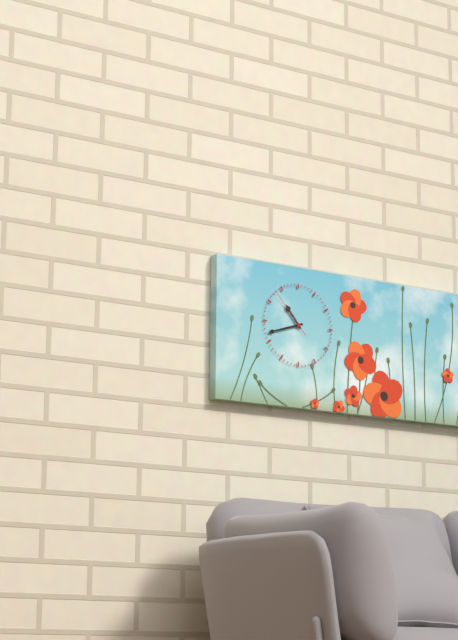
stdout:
10h42
